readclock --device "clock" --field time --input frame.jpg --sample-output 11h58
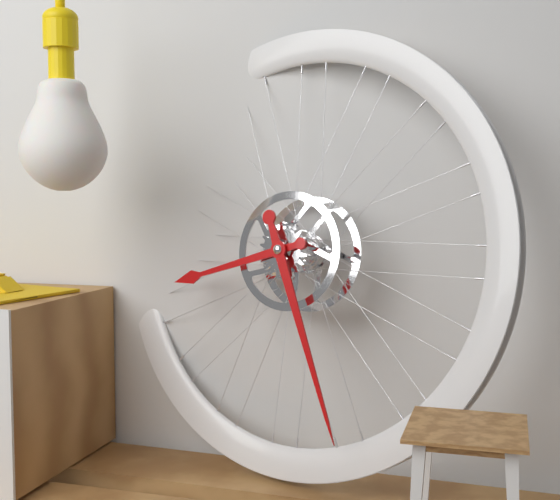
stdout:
8h26
